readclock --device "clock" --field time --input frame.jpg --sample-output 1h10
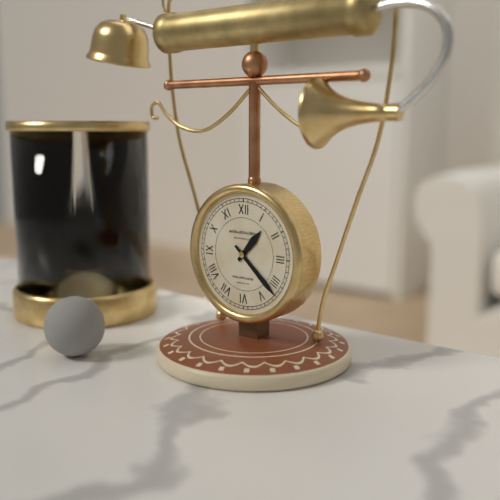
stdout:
1h22
